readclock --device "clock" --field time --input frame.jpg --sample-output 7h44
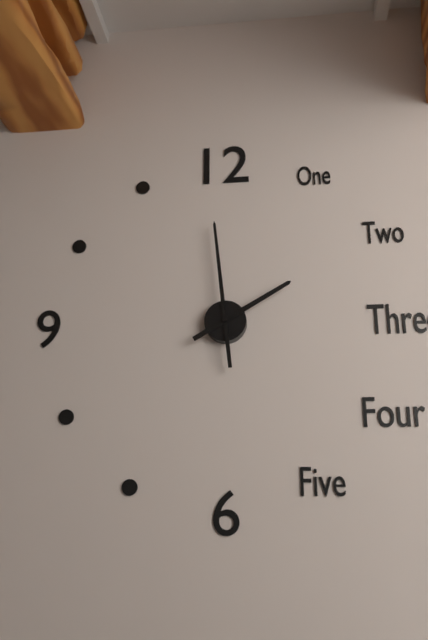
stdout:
1h59
